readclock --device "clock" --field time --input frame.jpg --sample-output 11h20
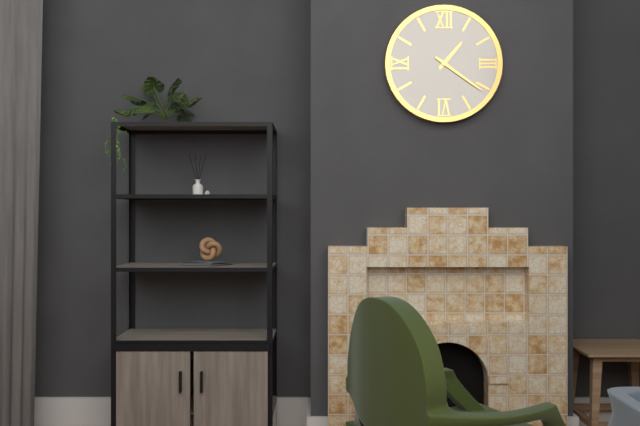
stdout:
1h21
